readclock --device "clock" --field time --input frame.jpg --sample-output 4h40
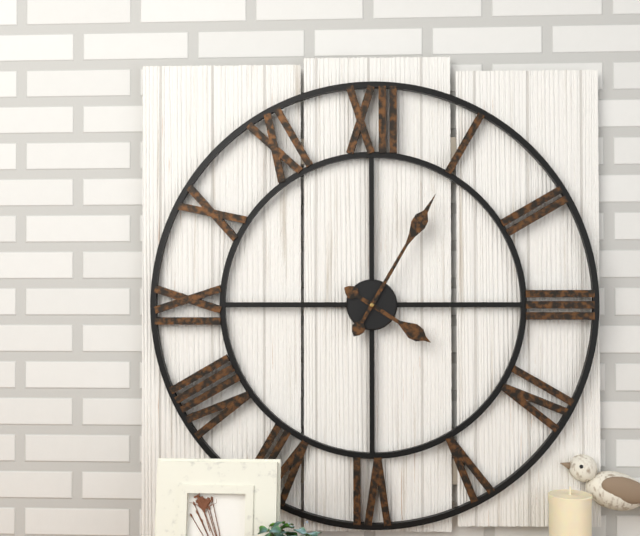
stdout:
4h05
